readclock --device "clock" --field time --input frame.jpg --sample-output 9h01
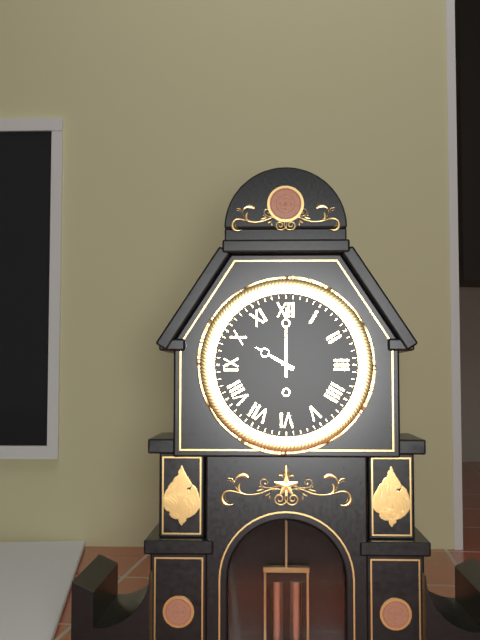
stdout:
10h00
